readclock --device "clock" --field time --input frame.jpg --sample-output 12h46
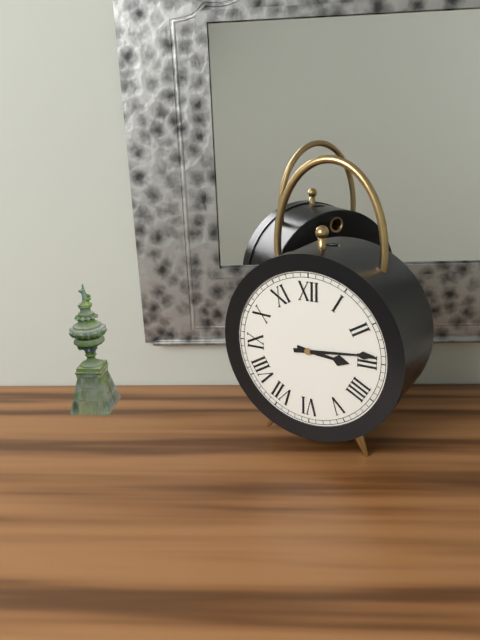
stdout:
3h14
